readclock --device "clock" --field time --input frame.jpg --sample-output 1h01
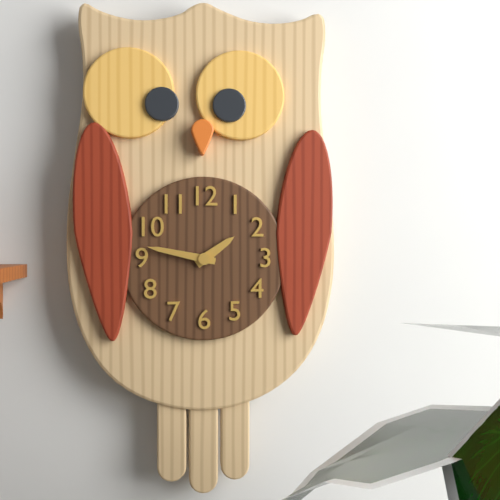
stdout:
1h47
